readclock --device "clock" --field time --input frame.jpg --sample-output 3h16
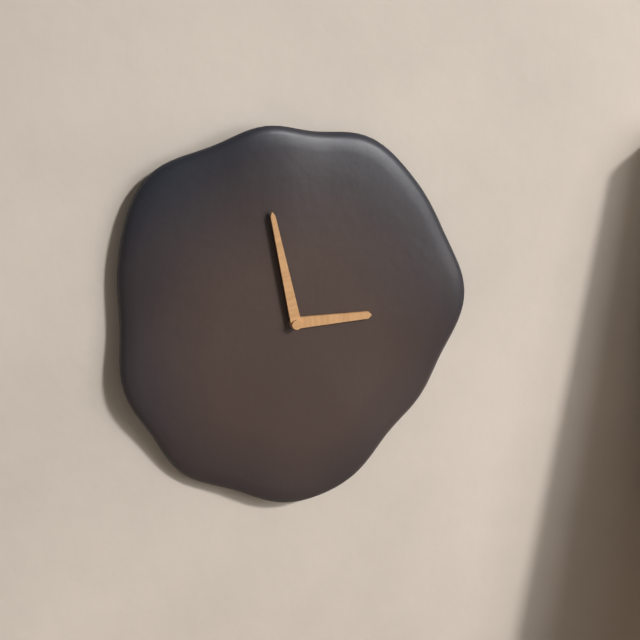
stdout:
2h58
